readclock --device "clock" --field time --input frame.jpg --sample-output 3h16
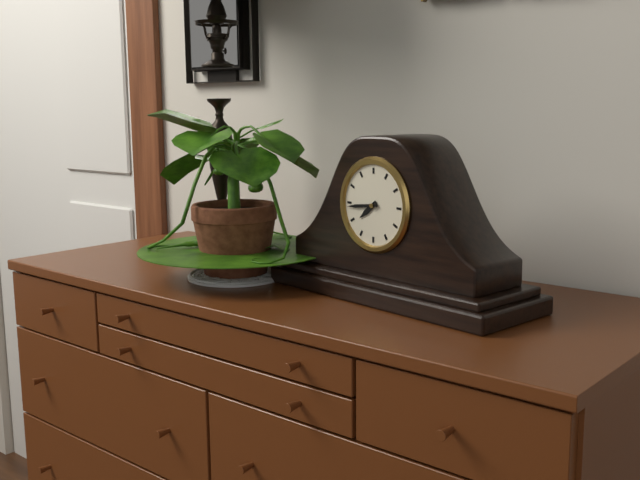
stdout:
7h44
